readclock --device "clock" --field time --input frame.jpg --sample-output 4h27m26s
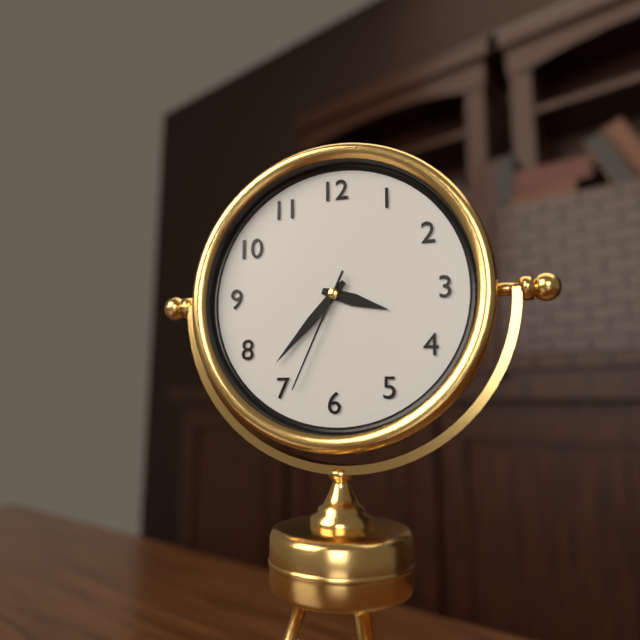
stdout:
3h37m34s
